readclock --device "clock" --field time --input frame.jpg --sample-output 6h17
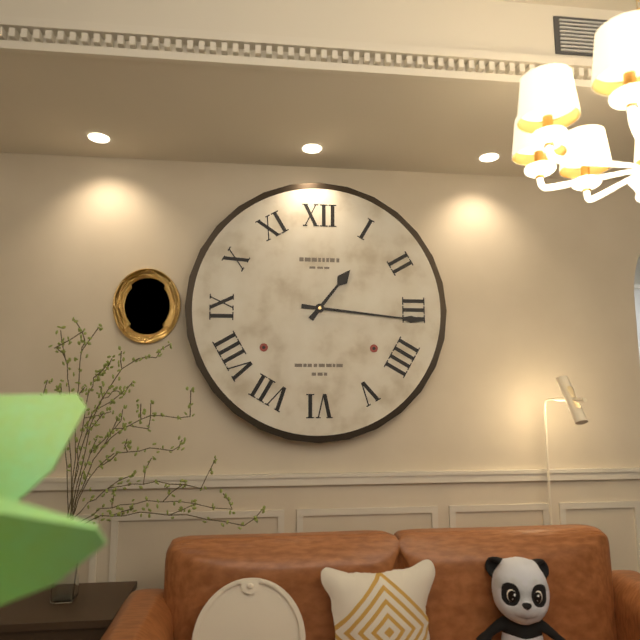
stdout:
1h16
